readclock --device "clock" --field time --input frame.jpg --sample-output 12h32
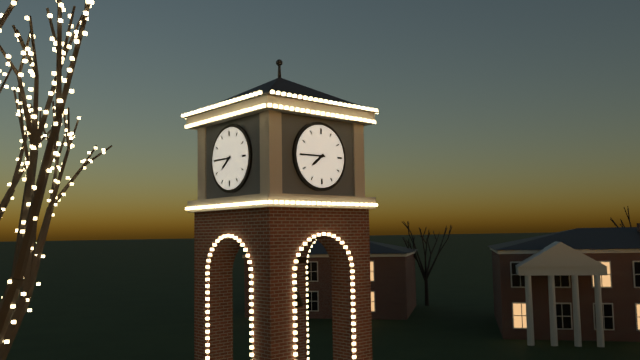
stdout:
7h45
